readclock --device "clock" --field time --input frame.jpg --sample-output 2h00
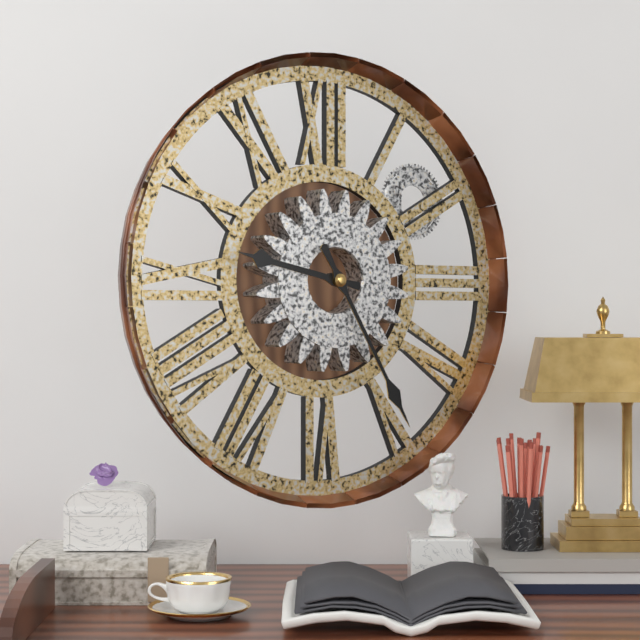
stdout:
9h25
